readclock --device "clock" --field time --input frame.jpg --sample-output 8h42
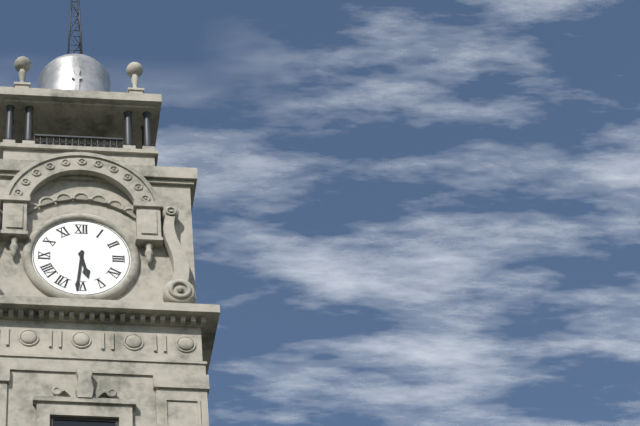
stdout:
5h31
